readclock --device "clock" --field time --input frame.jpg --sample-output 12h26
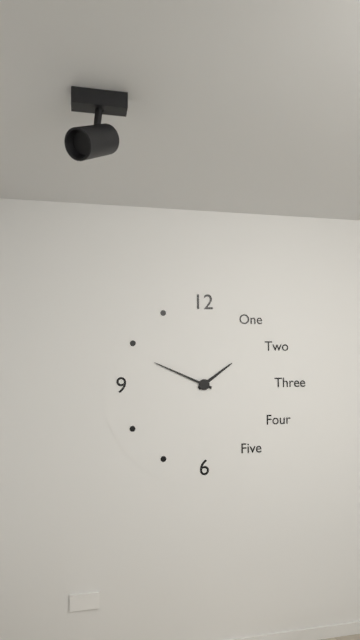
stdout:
1h49
